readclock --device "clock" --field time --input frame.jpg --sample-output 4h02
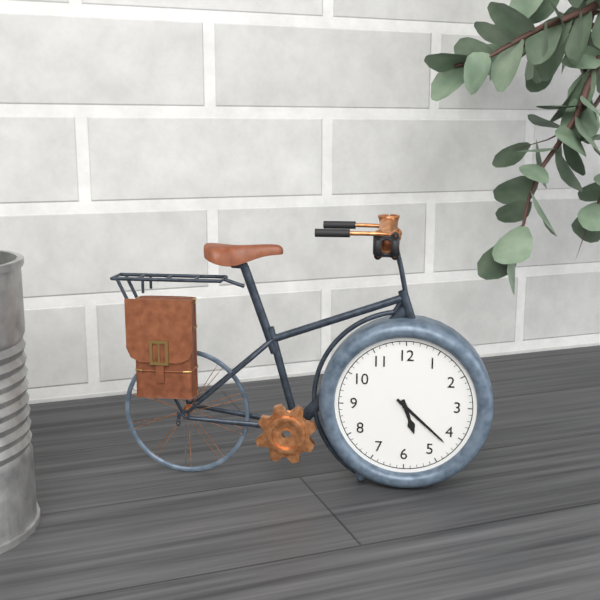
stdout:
5h22
